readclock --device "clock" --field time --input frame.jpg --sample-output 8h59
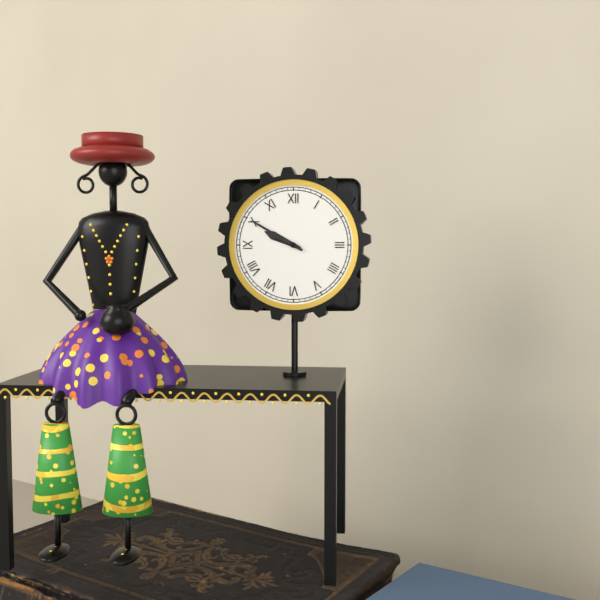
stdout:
9h50
